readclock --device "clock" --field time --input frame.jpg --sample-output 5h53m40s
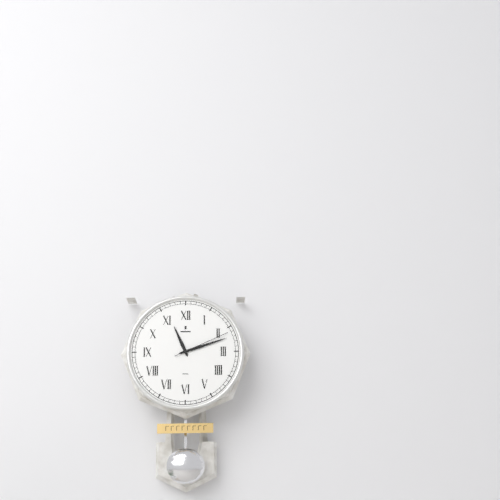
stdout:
11h12m11s
